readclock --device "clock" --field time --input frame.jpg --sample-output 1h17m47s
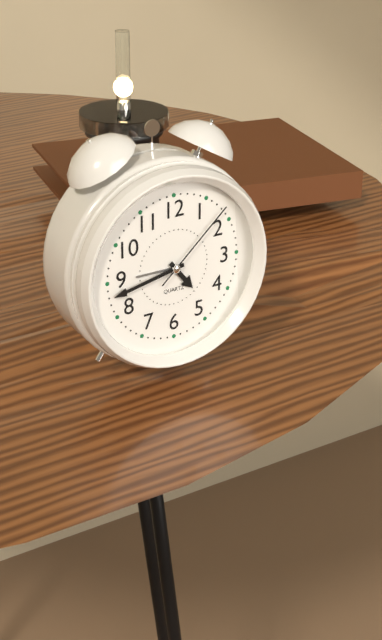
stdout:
4h43m08s
